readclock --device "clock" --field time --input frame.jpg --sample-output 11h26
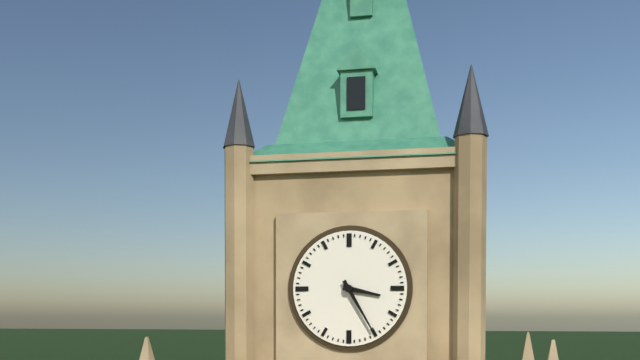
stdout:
3h25
